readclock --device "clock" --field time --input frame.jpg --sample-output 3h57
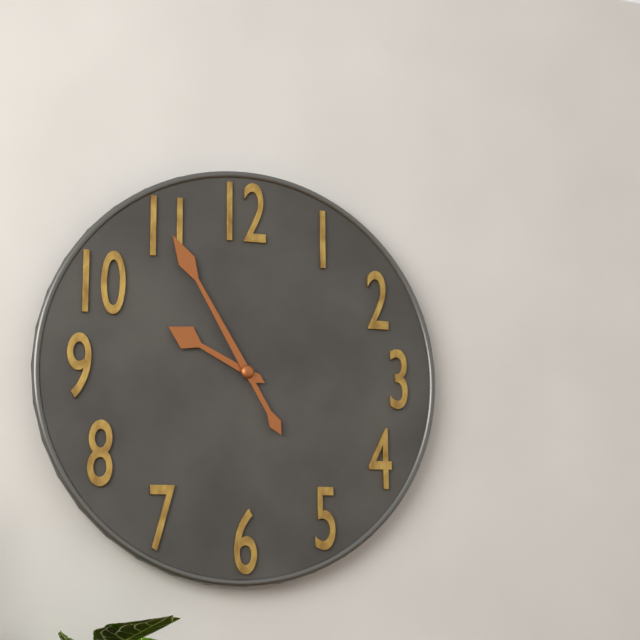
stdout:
9h55
